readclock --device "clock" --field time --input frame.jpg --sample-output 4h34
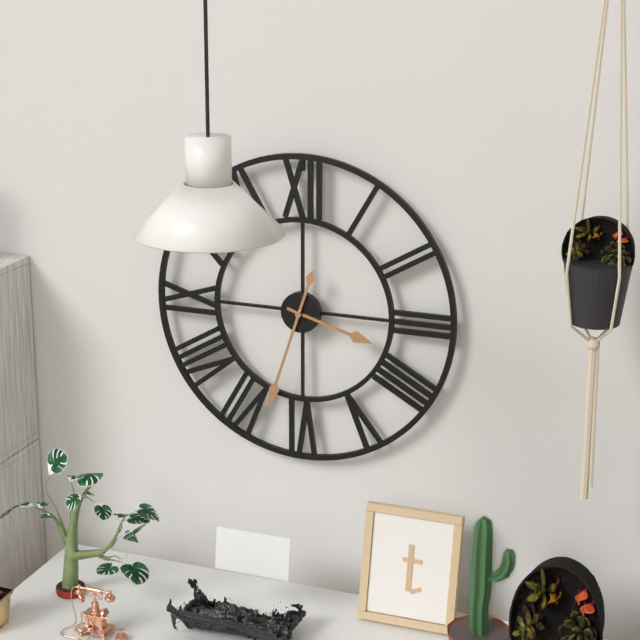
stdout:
3h33
